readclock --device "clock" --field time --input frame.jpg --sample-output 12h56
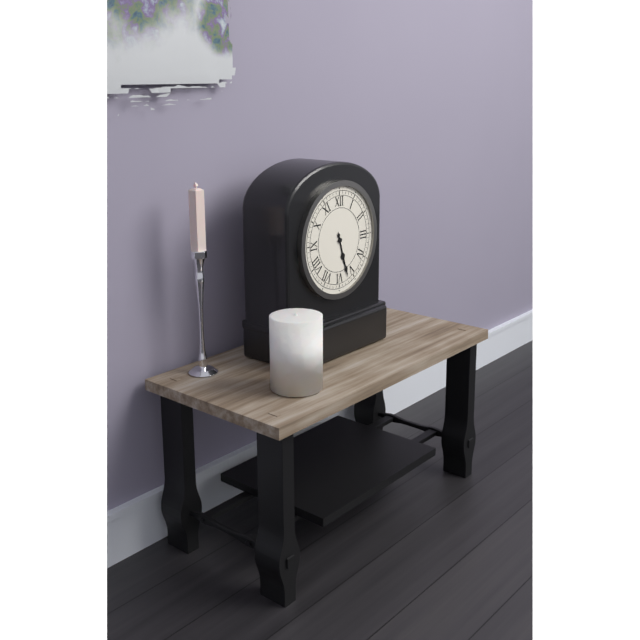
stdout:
5h27
